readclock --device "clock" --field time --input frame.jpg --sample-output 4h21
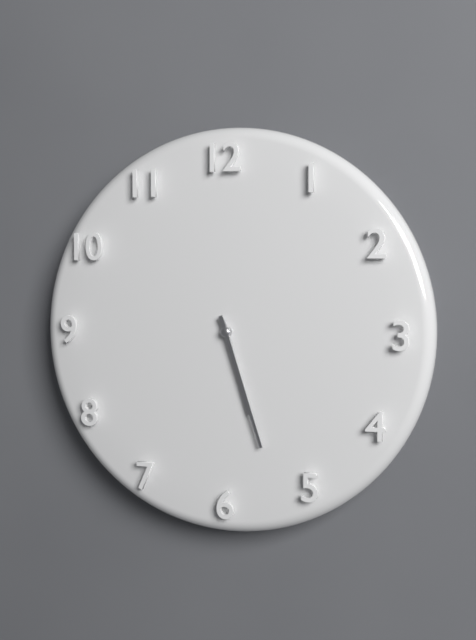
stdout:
5h27
